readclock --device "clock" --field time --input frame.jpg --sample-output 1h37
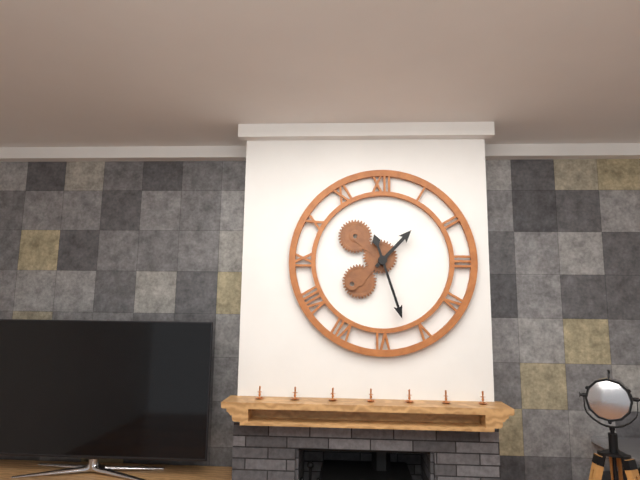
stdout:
1h27
